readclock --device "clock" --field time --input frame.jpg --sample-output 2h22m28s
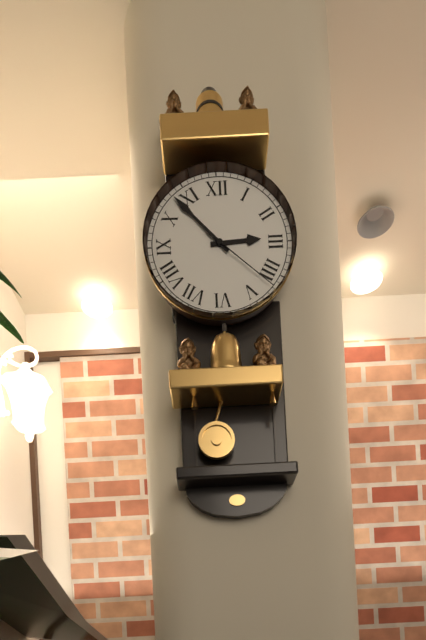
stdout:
2h53m22s
